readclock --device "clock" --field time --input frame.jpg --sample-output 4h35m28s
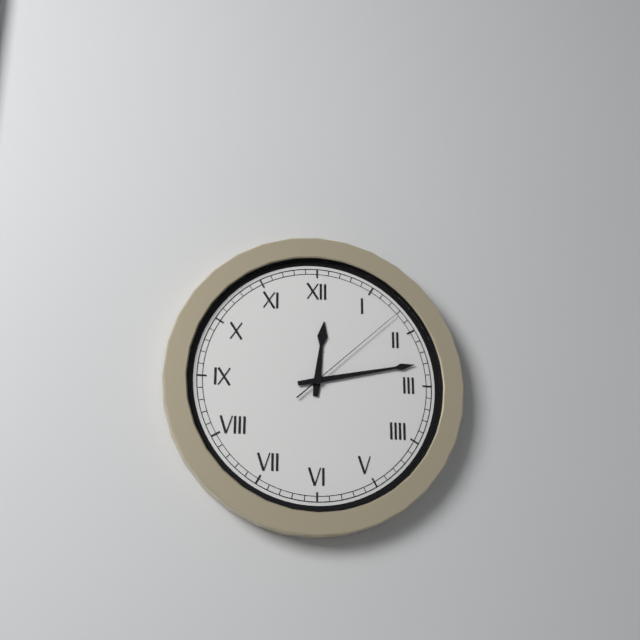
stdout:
12h13m08s
